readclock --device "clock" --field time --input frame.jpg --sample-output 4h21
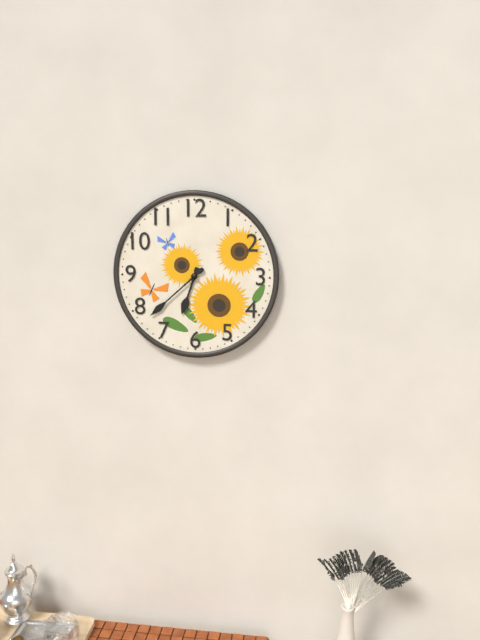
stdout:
6h38
